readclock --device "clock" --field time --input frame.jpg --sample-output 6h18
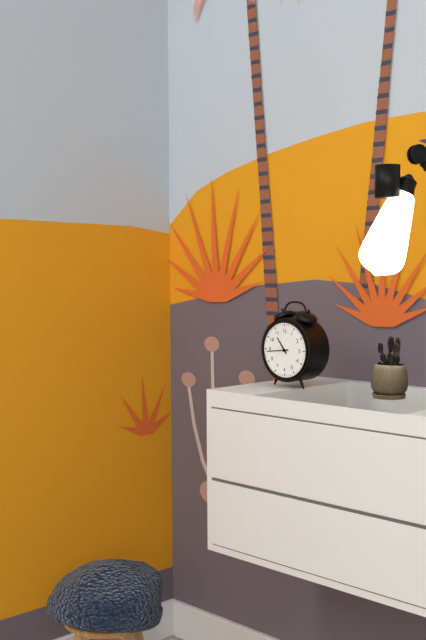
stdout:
10h44
